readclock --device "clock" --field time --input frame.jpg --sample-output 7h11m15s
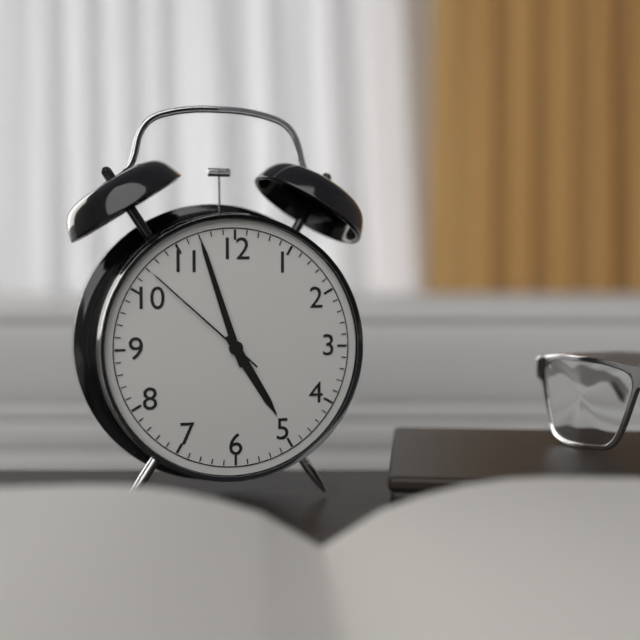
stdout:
4h57m52s
